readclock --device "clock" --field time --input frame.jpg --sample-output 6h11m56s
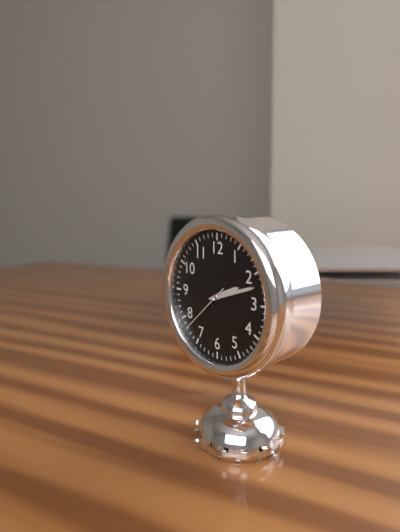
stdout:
2h12m38s
